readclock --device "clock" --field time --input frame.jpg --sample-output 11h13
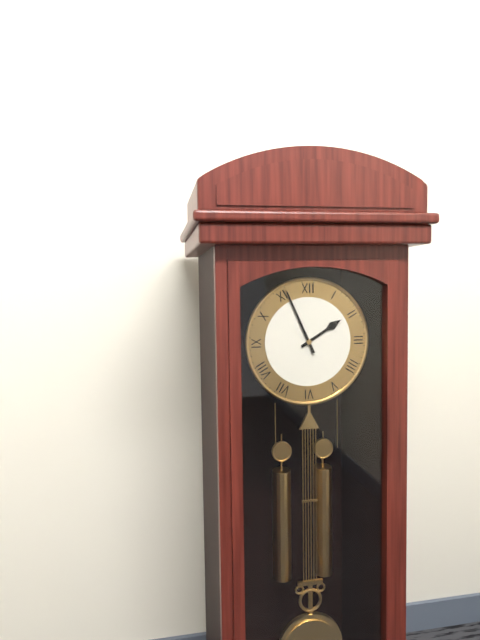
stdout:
1h56
